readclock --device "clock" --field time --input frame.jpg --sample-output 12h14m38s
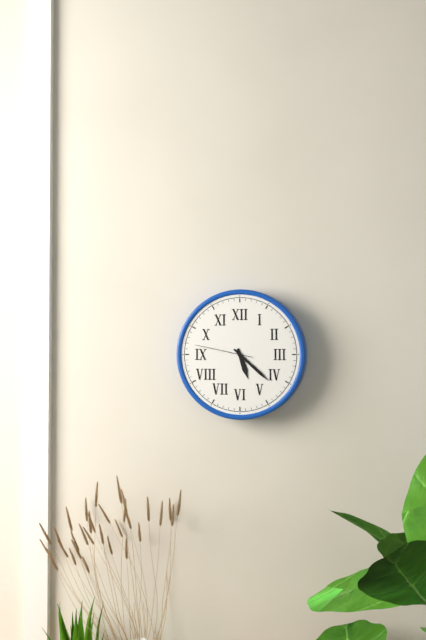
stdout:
5h22m47s
